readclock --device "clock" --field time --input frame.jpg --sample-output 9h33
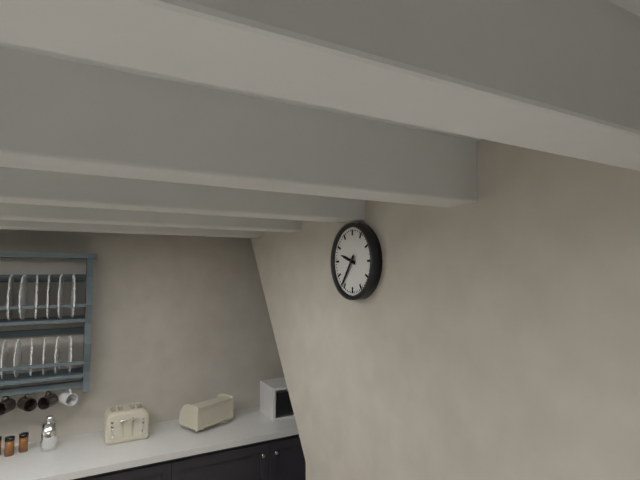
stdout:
9h36
